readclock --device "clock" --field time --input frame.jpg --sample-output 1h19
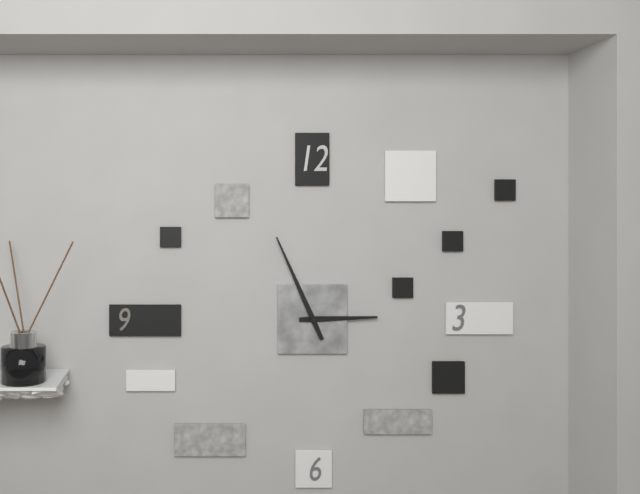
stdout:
2h56
